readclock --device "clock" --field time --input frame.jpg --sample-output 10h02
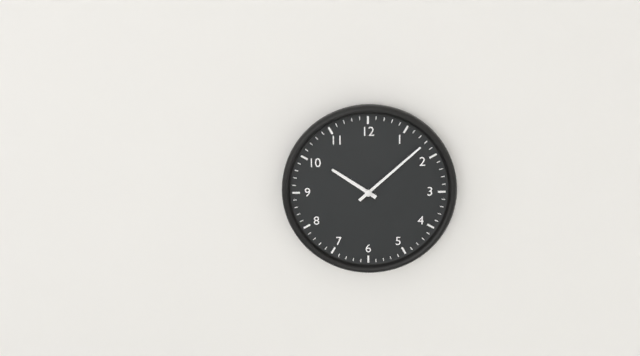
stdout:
10h08
